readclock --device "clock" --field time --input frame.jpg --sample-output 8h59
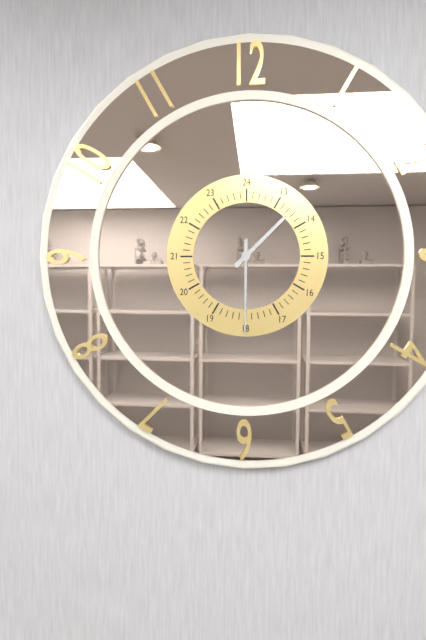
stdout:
1h30
